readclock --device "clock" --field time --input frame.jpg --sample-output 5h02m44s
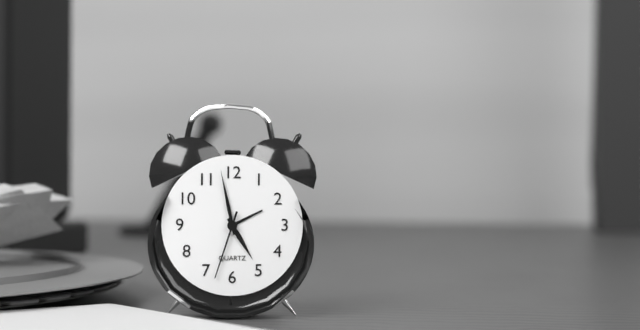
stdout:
4h58m33s
